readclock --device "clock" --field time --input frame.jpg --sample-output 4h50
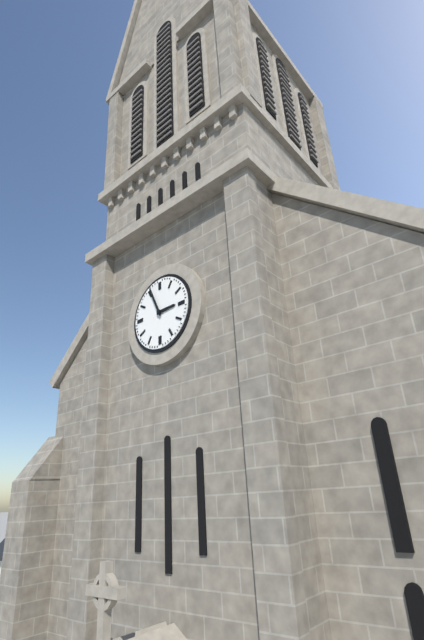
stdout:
2h56
